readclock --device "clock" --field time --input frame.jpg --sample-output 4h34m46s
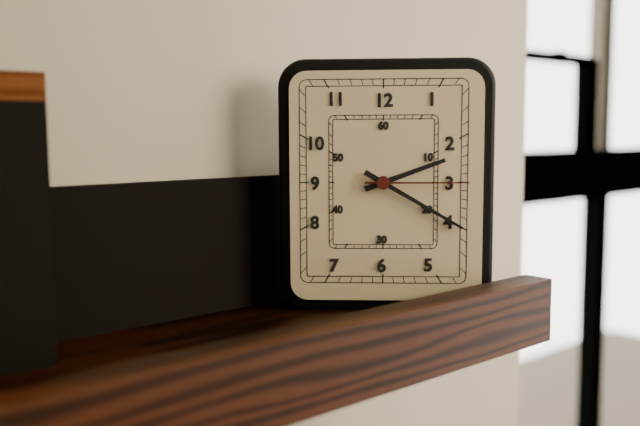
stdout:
2h20m15s
